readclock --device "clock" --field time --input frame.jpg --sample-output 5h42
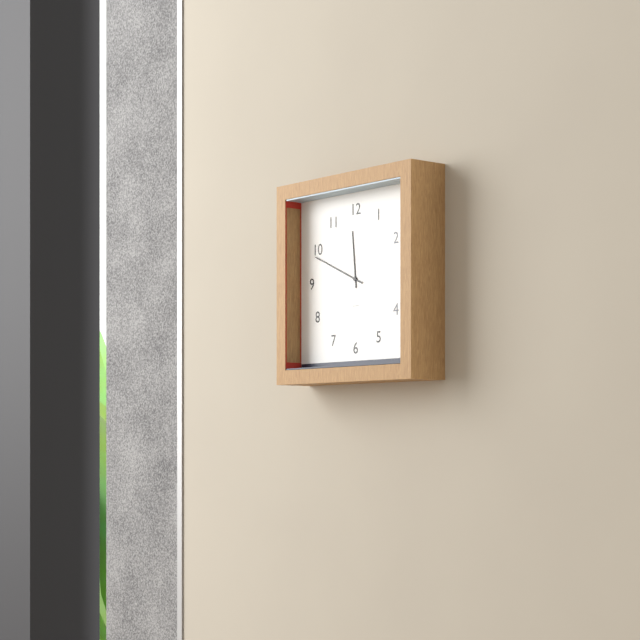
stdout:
11h49
